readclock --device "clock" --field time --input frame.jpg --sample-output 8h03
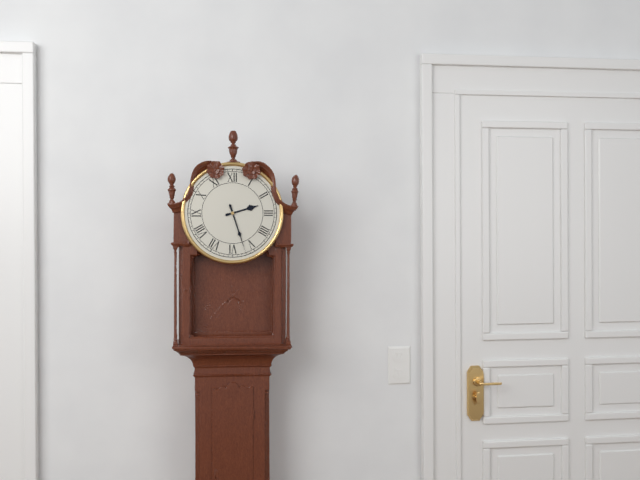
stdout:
2h27
